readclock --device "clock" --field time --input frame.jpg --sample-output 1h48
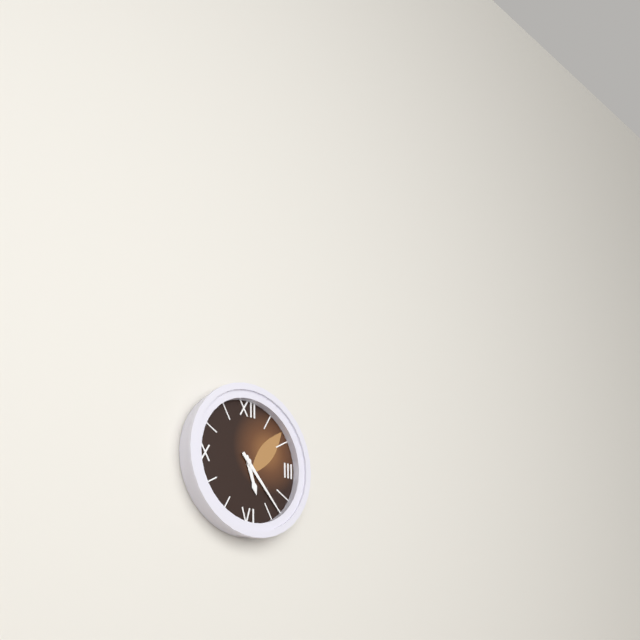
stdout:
5h23
